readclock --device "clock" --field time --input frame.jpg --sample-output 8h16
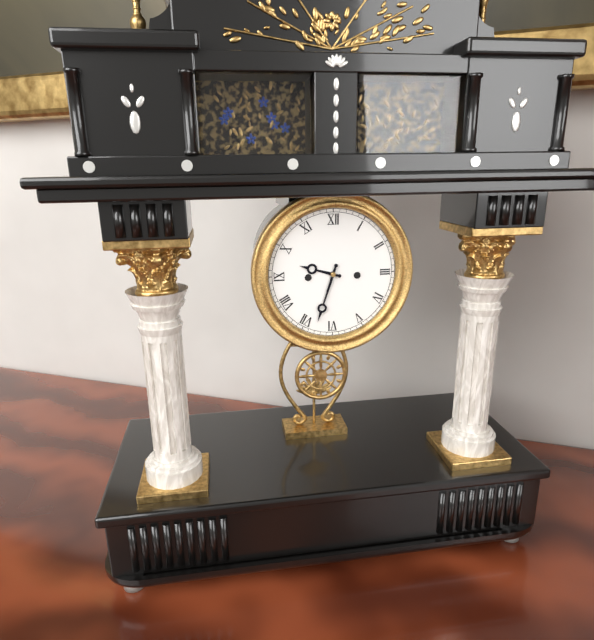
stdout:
9h33
